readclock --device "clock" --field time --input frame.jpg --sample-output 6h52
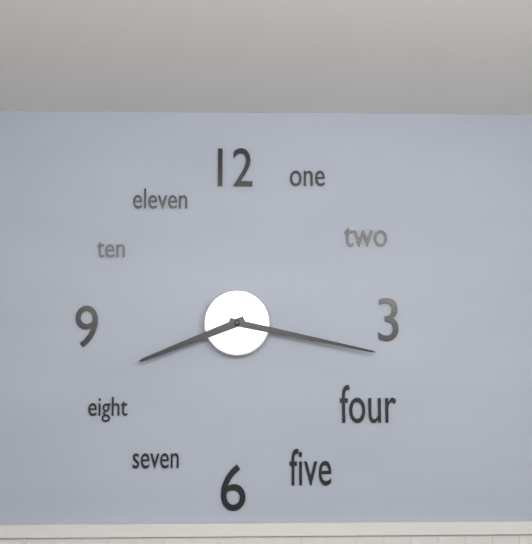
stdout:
8h17
